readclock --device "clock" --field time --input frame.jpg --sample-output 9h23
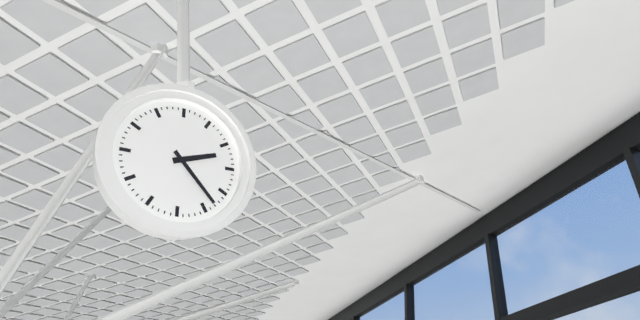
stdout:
2h23
